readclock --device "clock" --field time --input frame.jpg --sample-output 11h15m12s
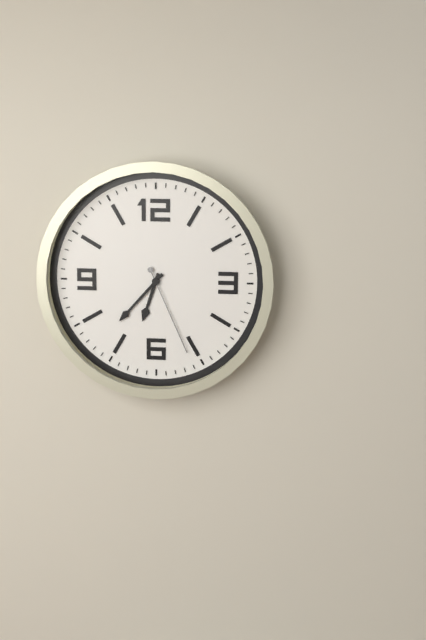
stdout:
6h37m26s
